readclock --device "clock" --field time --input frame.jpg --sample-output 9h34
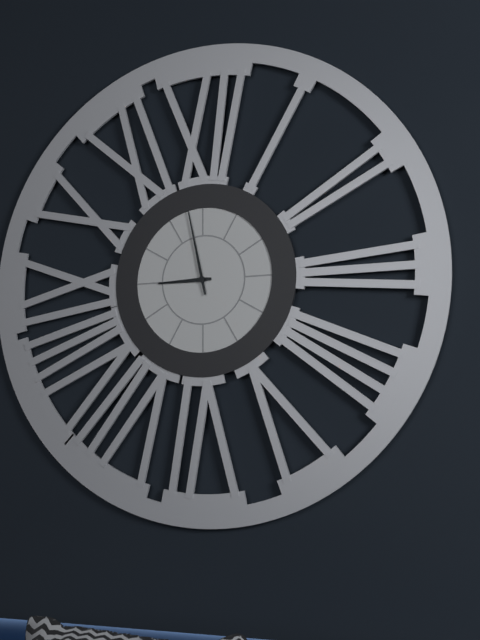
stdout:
8h58
